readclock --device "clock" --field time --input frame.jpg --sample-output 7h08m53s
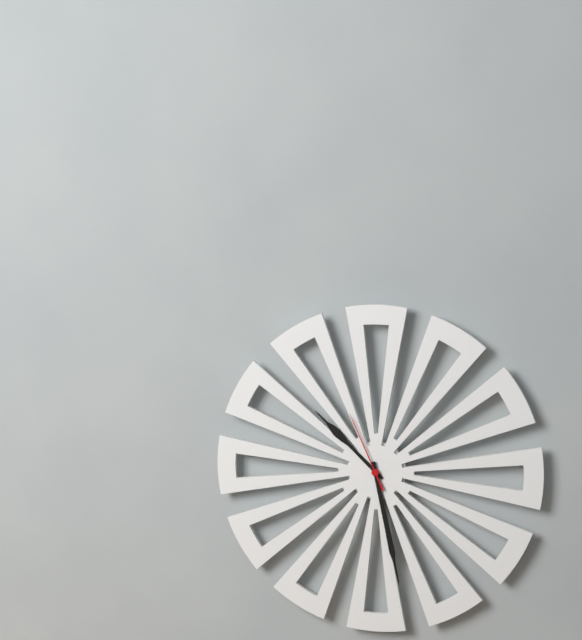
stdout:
10h28m56s
